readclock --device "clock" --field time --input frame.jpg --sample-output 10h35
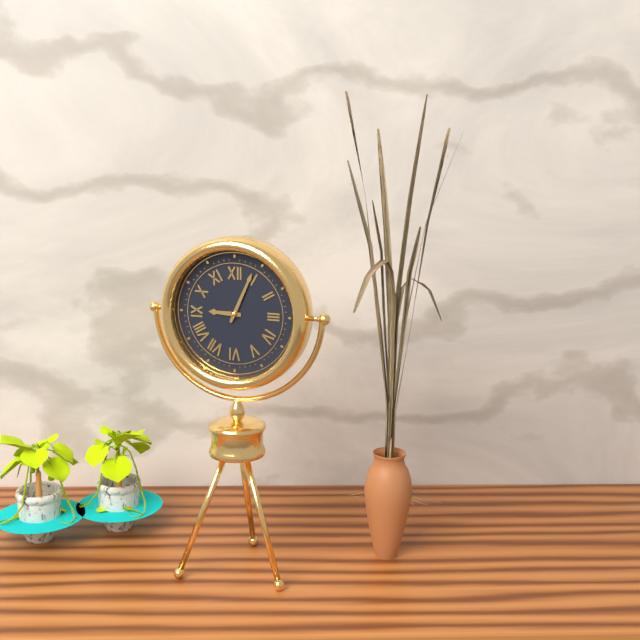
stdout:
9h04
